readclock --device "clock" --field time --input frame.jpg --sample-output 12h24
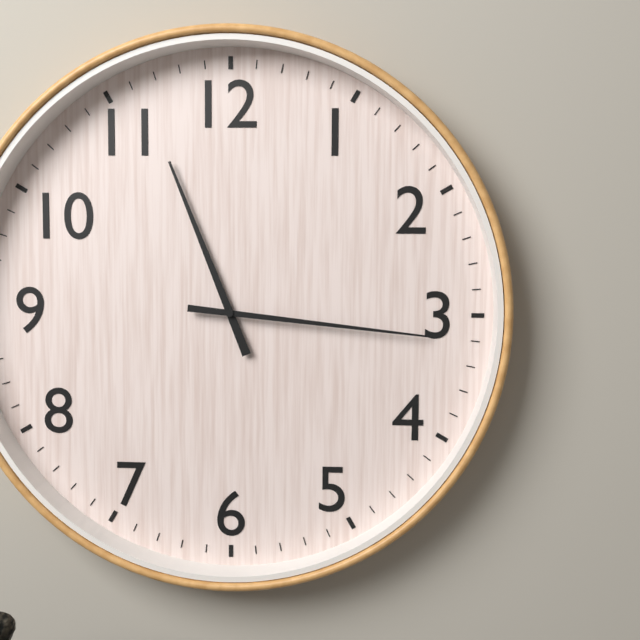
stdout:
11h16
